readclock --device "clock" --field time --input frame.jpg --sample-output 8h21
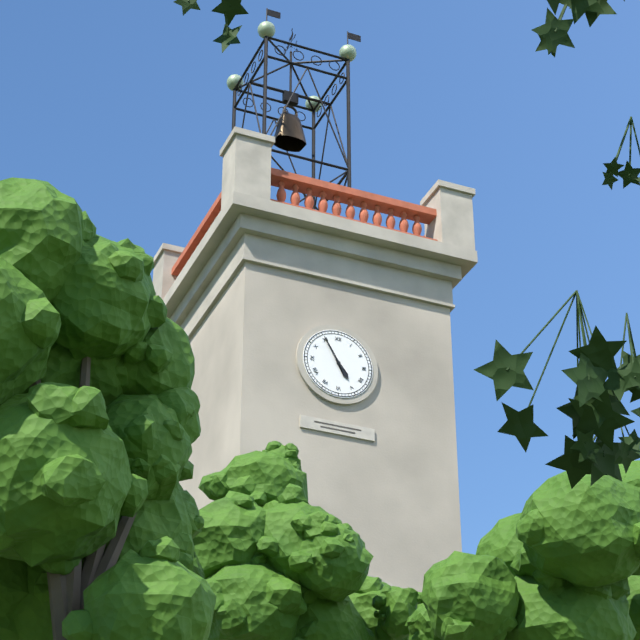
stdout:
4h55
